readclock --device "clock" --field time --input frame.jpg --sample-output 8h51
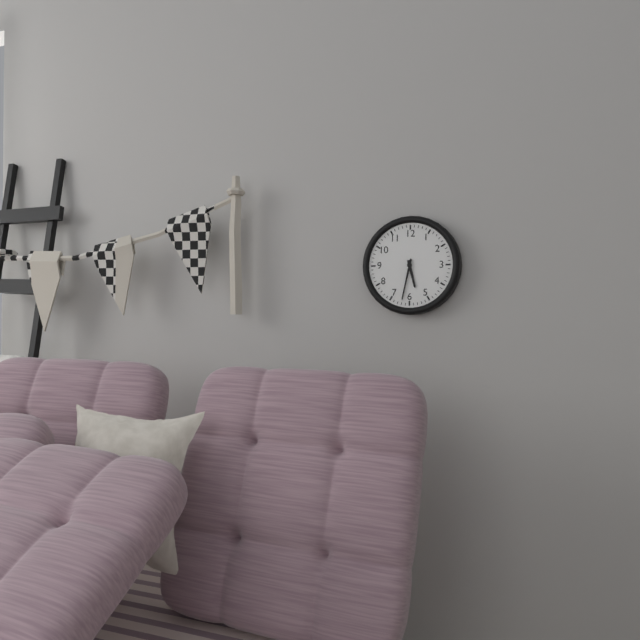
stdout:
5h32
